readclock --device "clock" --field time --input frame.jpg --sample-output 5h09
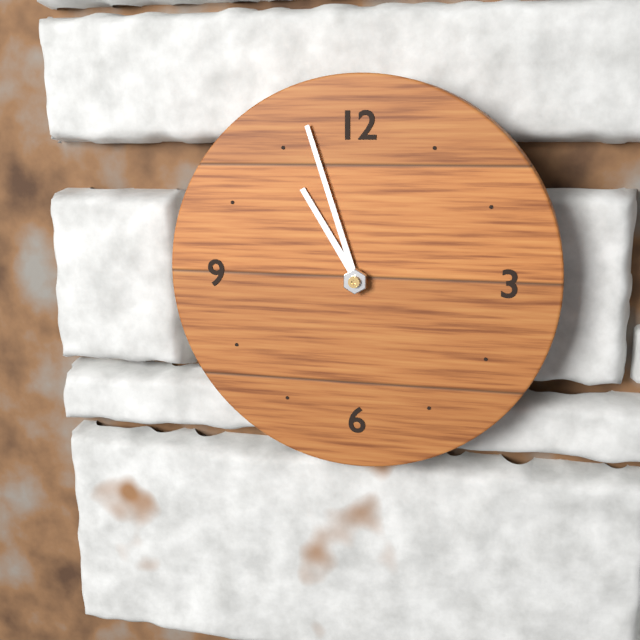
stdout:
10h57
